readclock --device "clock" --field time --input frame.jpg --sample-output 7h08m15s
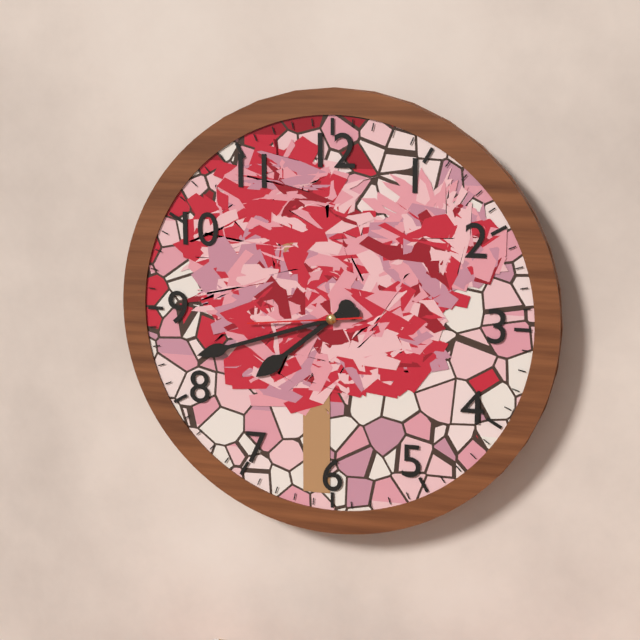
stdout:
7h42m44s
